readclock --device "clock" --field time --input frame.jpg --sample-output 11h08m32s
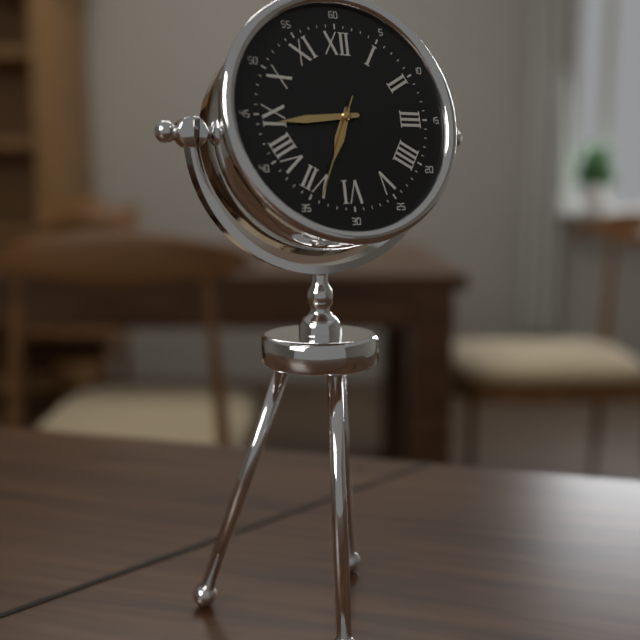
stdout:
6h44m34s
